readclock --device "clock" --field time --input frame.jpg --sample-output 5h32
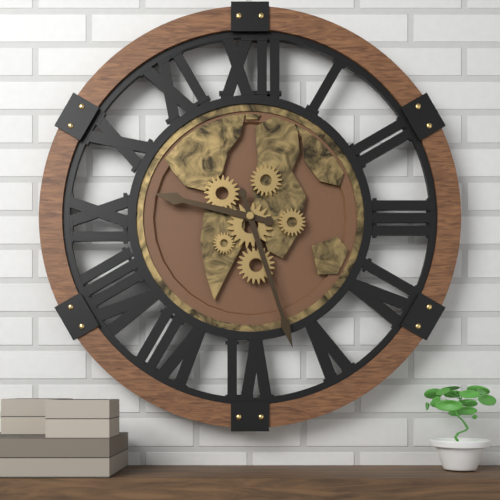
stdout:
9h27
